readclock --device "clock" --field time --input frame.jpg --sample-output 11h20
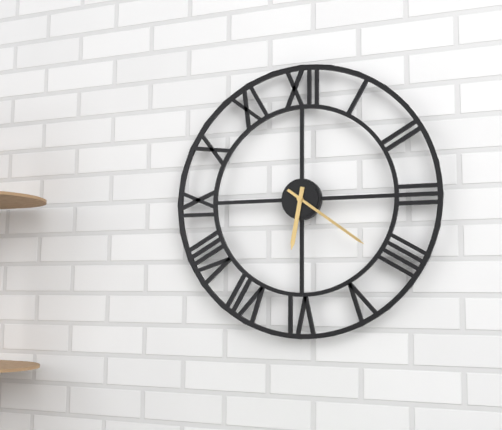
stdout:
6h21
